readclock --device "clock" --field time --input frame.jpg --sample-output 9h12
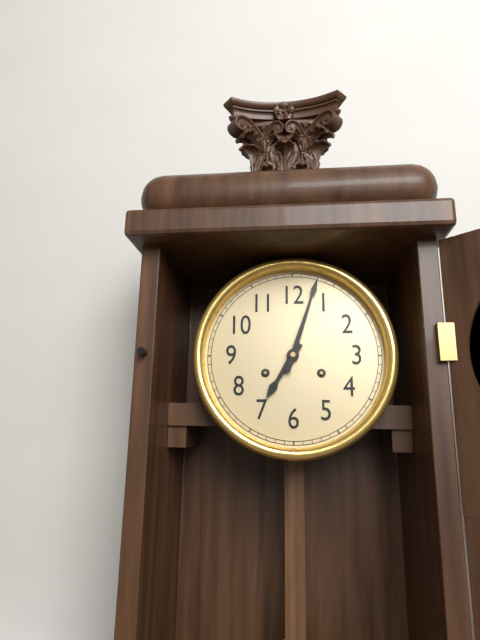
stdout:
7h03
